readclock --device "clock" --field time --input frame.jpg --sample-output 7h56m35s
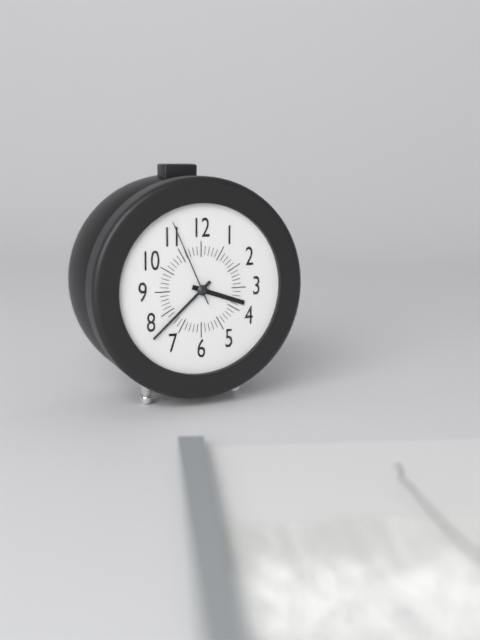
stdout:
3h38m56s
